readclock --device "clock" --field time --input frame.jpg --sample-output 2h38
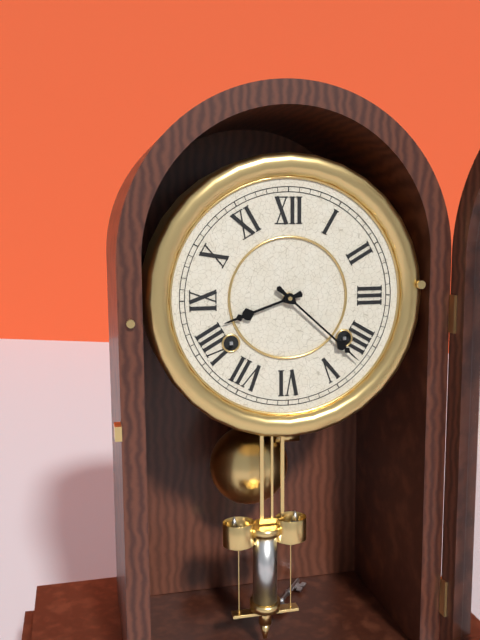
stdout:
8h22
